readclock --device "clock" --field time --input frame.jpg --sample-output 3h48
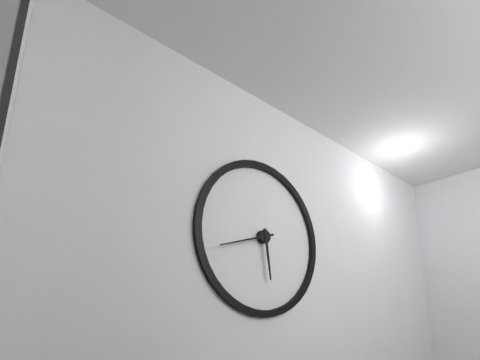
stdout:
5h42
